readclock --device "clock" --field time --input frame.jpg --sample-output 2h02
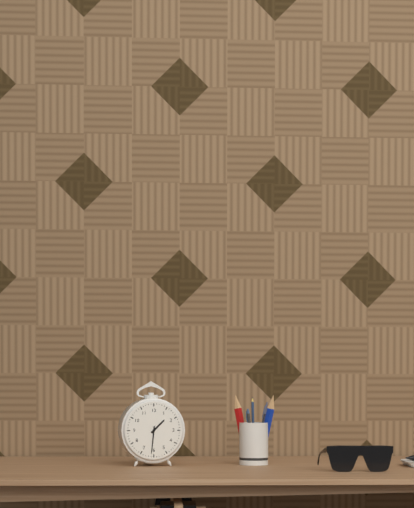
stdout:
1h31
